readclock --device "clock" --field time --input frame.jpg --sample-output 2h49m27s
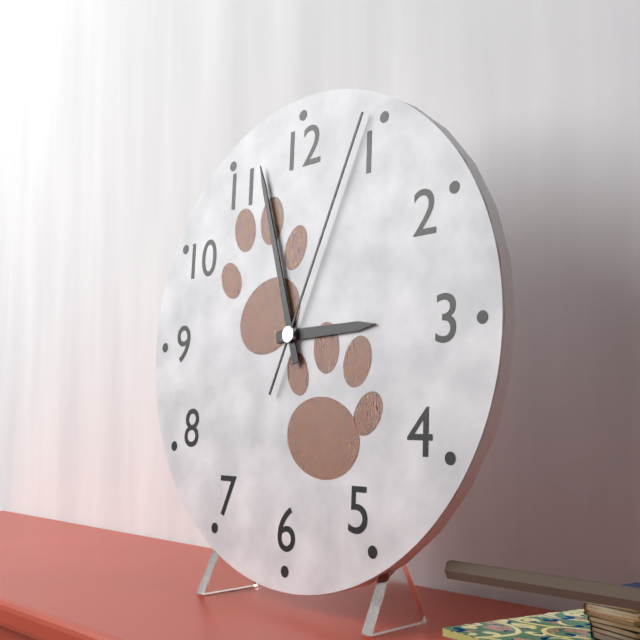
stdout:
2h57m04s
